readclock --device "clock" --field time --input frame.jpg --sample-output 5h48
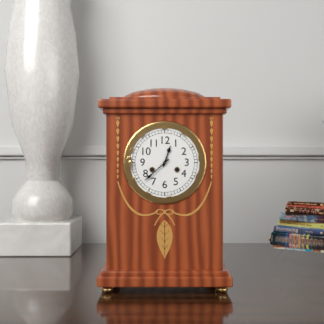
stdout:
12h38
